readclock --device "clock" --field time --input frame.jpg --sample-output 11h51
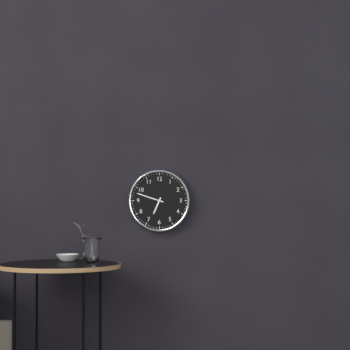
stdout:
6h48
